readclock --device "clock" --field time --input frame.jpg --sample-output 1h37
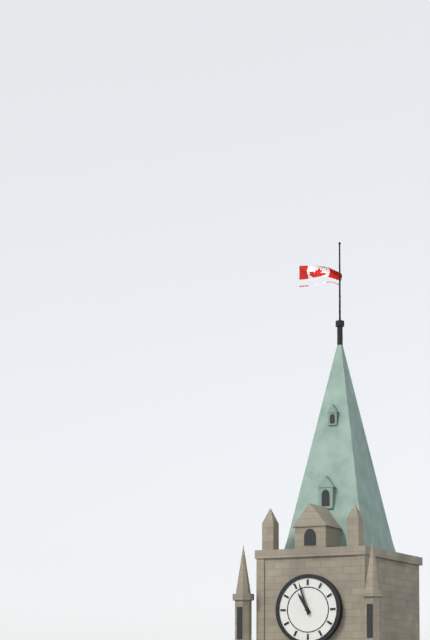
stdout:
10h57
